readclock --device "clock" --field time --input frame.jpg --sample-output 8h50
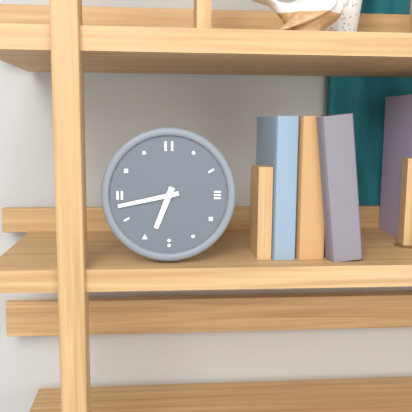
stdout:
6h43
